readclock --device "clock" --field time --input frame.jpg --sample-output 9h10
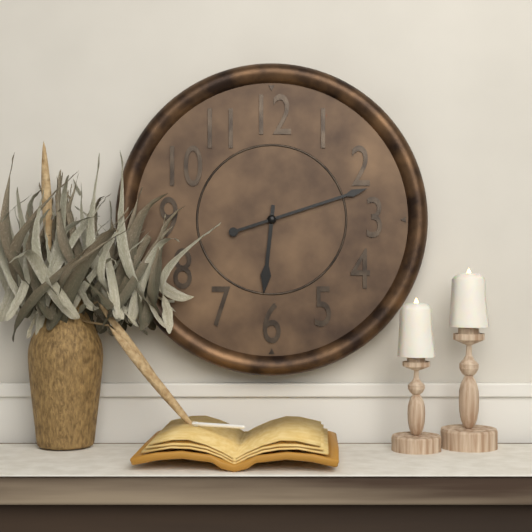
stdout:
6h12
